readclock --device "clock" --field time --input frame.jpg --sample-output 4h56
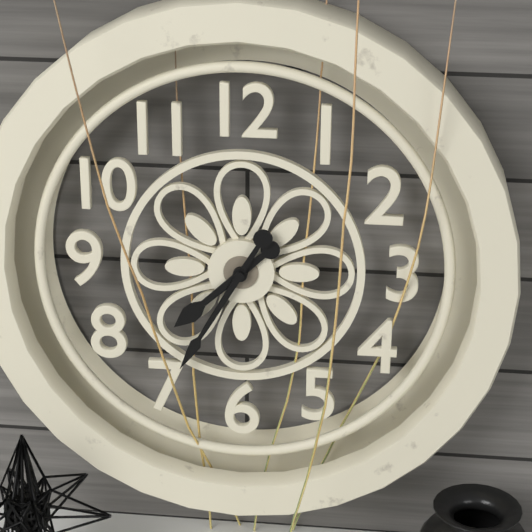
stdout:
7h35
